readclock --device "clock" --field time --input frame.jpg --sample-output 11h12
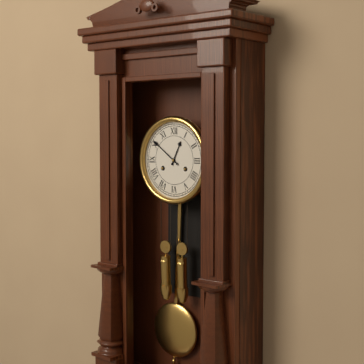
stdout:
12h51
